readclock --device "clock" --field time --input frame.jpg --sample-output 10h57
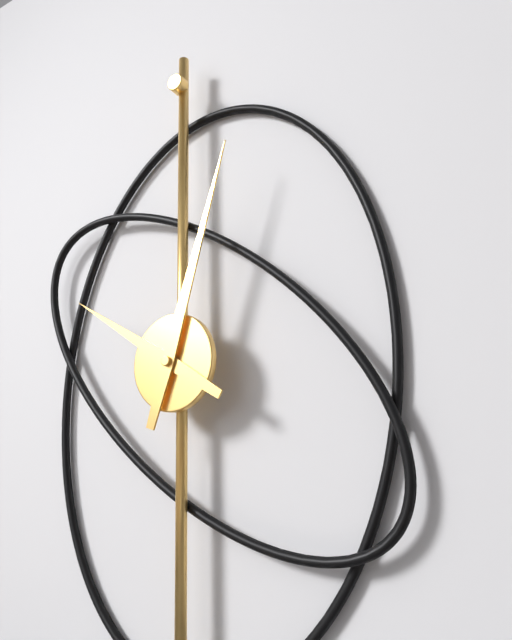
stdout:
10h03
